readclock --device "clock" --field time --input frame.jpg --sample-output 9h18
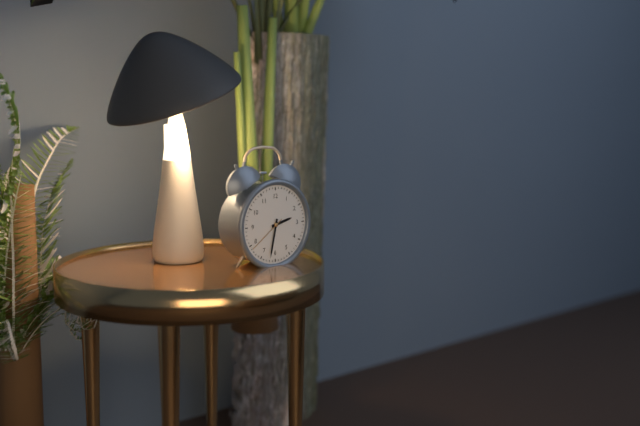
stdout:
2h32
